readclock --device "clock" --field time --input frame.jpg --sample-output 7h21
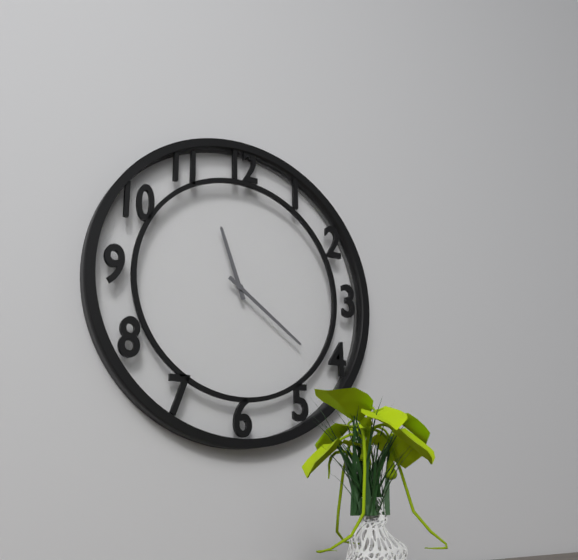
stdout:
11h21
